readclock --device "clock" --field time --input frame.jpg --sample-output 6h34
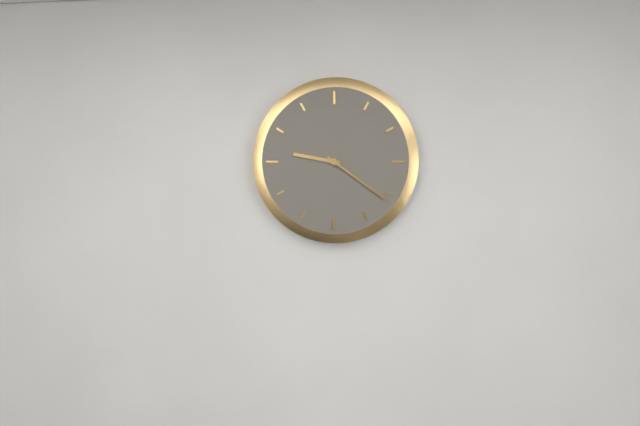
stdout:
9h21
